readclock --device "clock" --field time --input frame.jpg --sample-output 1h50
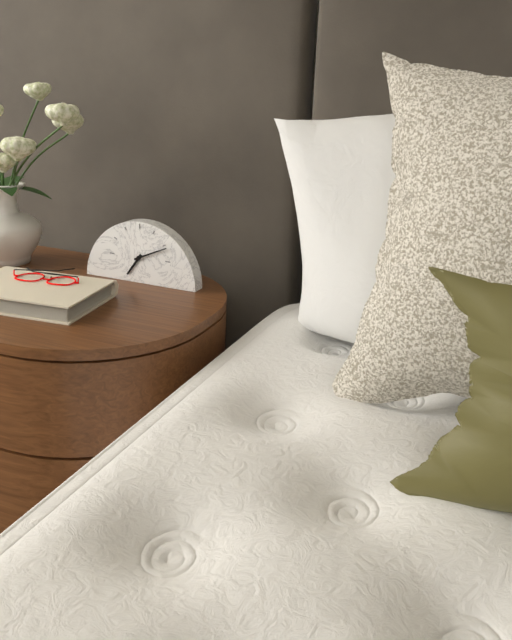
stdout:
7h11
